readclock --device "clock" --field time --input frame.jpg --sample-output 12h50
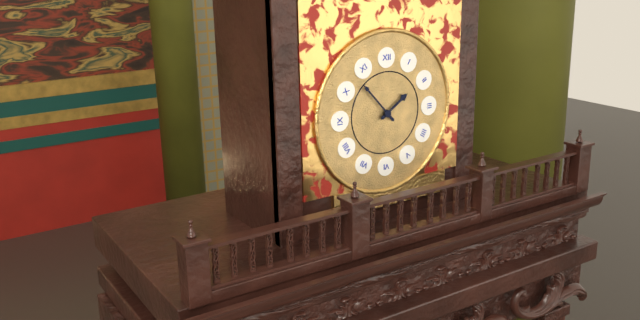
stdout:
1h53
